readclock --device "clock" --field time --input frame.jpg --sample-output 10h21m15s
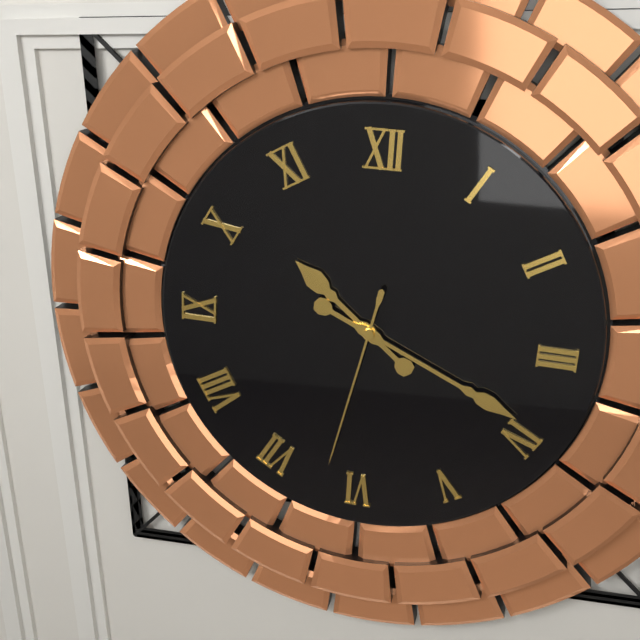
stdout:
10h19m32s
